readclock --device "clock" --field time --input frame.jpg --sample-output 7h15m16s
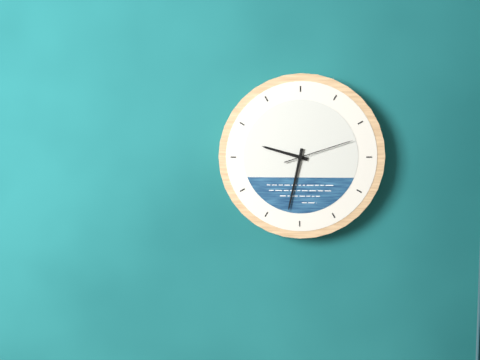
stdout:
9h32m12s
